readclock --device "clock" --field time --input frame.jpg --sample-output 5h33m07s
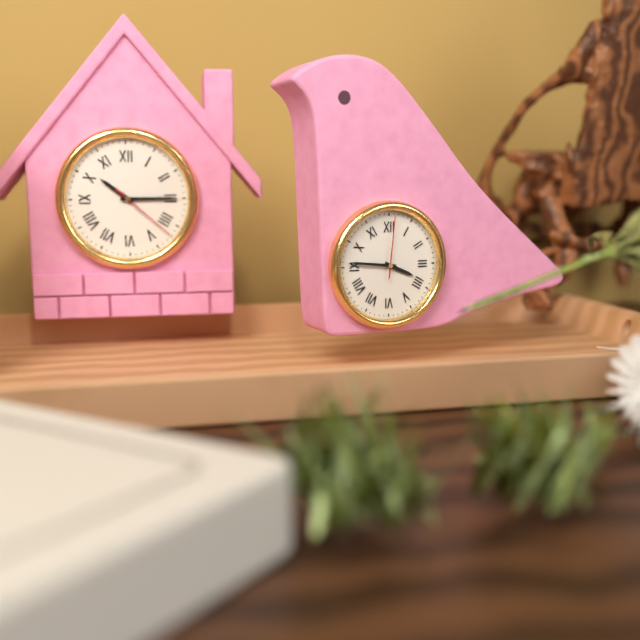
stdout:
3h46m01s
